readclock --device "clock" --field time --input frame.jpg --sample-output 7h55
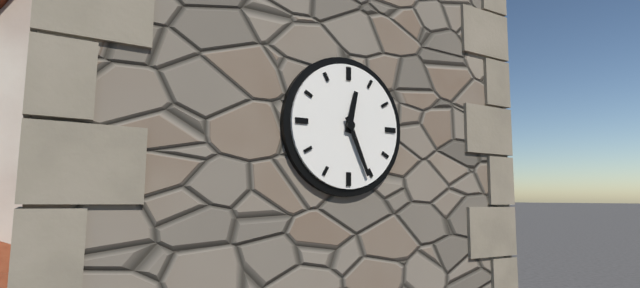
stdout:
12h26
